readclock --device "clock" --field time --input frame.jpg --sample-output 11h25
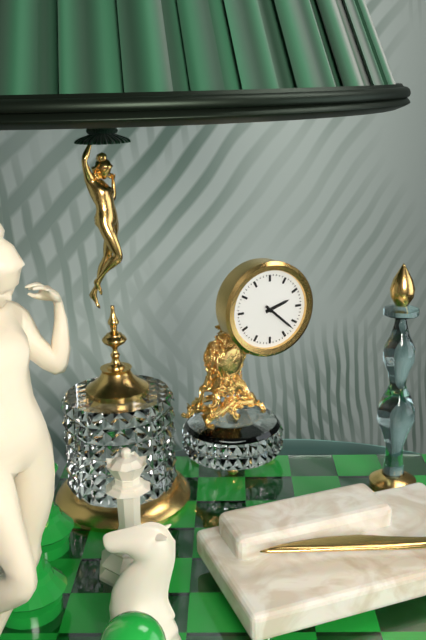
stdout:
2h22
